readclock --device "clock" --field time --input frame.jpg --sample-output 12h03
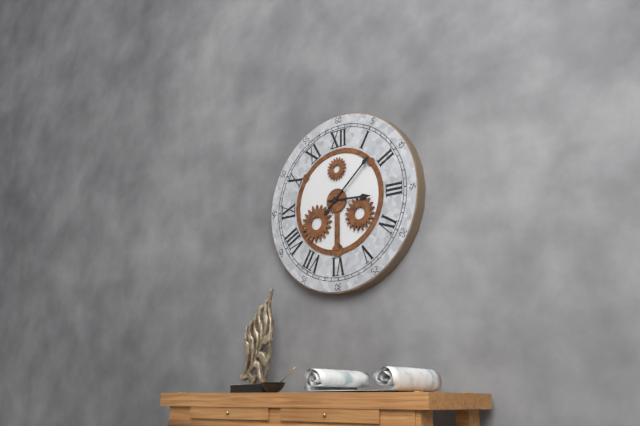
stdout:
3h08
